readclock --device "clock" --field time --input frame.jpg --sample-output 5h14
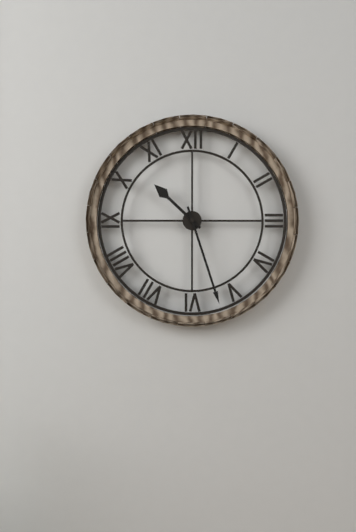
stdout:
10h27
